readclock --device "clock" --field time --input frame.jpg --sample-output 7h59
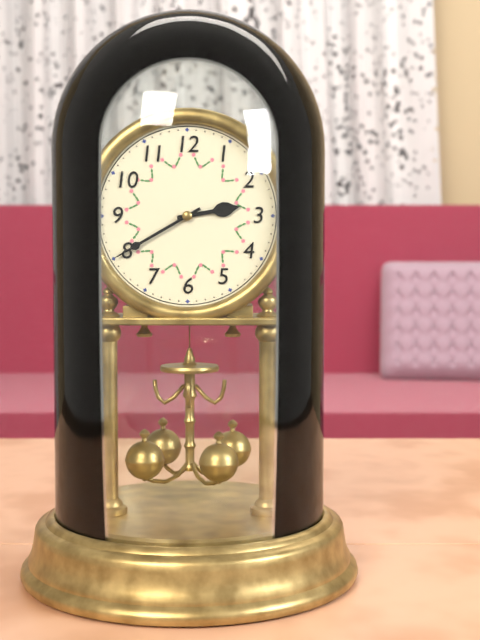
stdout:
2h40
